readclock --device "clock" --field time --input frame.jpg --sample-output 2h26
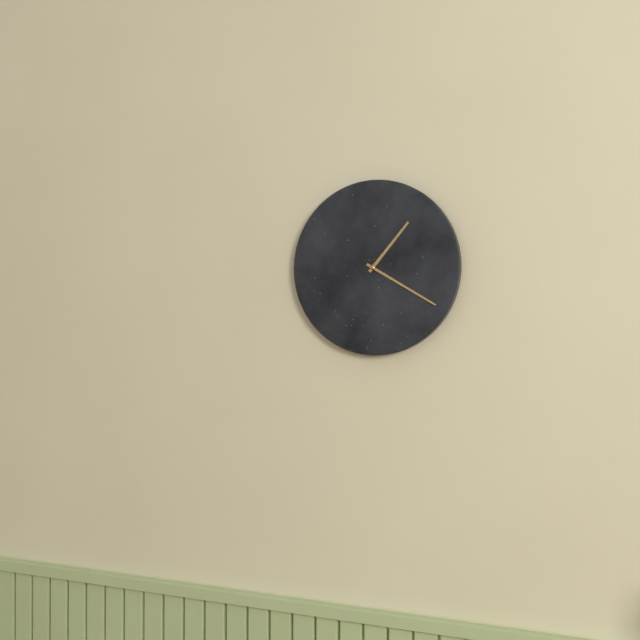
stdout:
1h20
